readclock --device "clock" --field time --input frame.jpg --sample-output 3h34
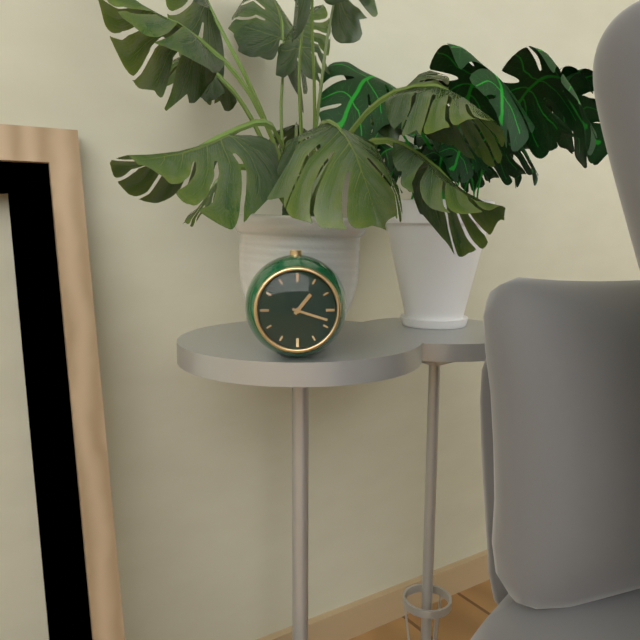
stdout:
1h18
